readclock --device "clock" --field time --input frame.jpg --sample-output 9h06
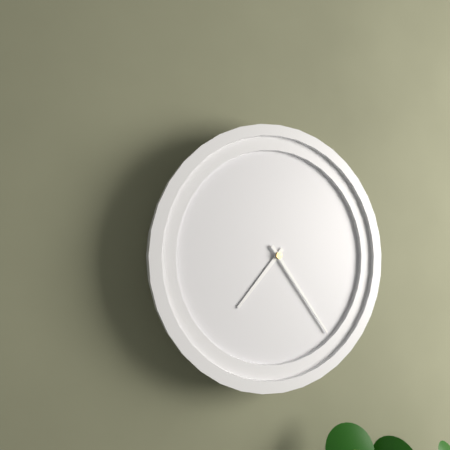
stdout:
7h24
